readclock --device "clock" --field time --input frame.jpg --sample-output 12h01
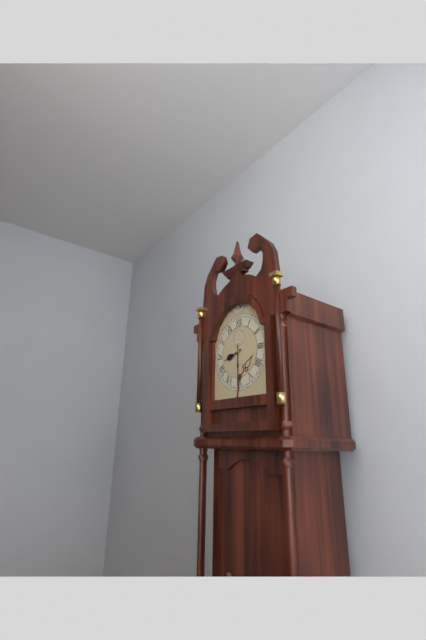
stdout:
8h30
